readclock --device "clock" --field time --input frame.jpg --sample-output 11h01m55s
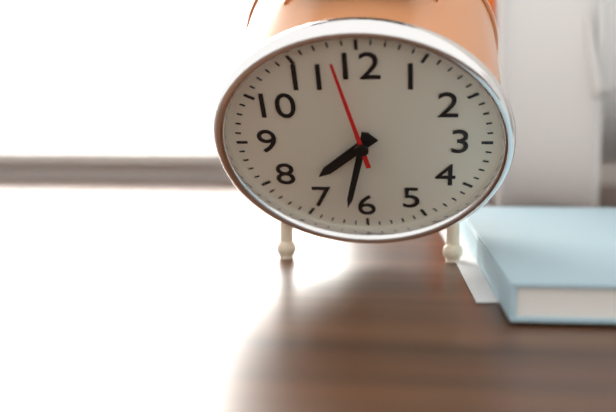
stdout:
7h32m58s
